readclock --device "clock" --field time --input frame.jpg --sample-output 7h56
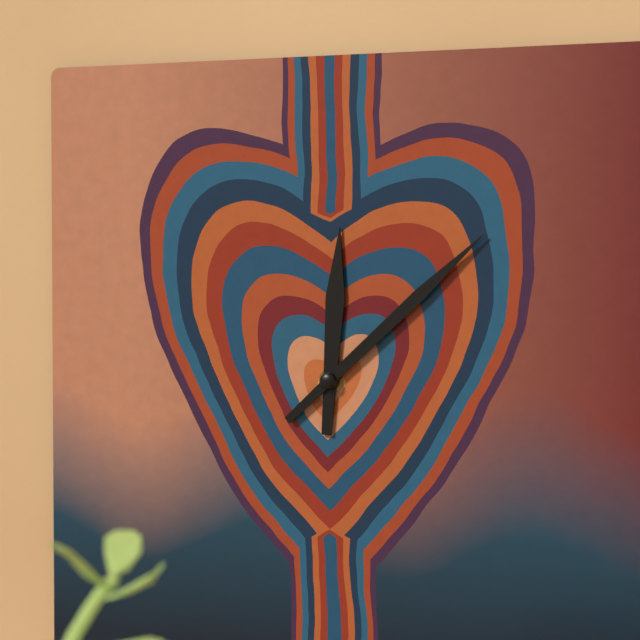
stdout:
12h08
